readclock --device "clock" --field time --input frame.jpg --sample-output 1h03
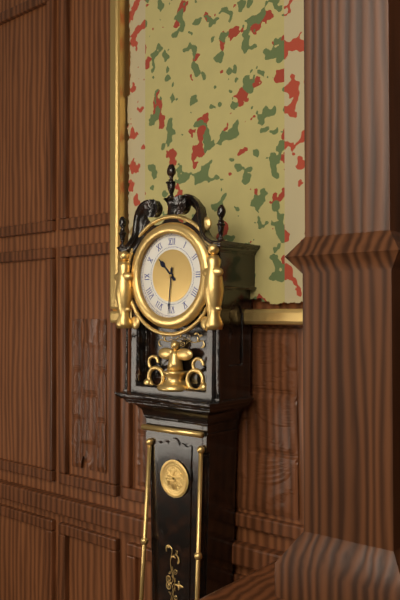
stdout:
10h31
